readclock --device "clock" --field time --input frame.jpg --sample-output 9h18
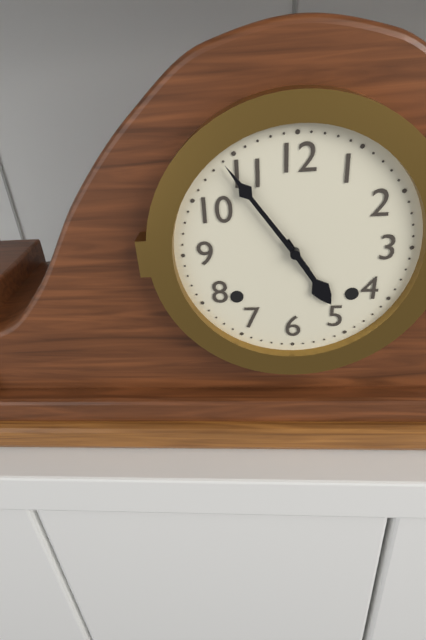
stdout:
4h54
